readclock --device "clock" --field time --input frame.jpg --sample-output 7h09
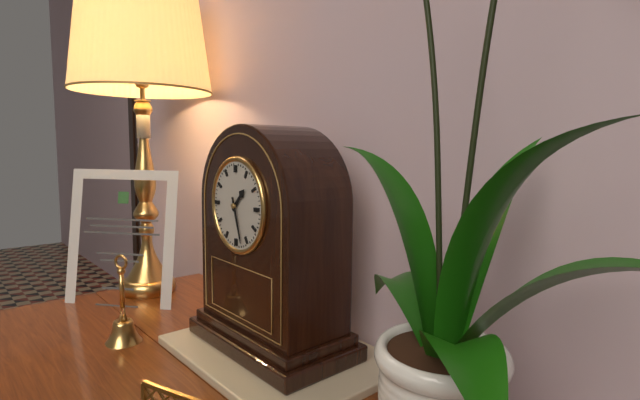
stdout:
1h27
